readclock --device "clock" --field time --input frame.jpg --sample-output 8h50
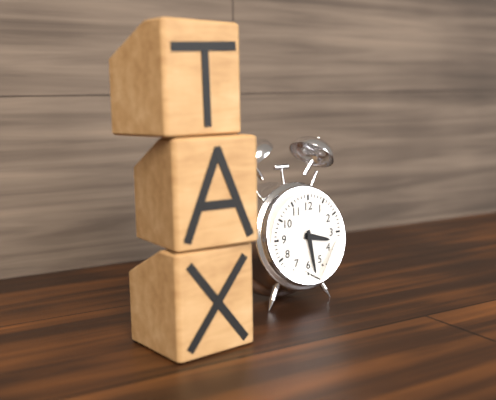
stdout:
3h28
